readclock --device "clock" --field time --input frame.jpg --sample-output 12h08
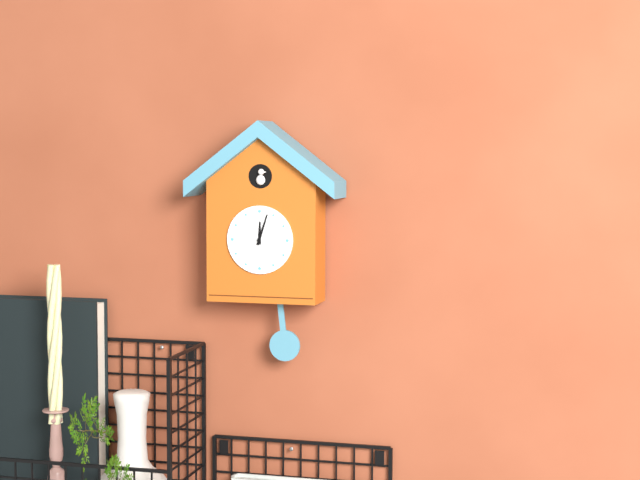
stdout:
12h03
